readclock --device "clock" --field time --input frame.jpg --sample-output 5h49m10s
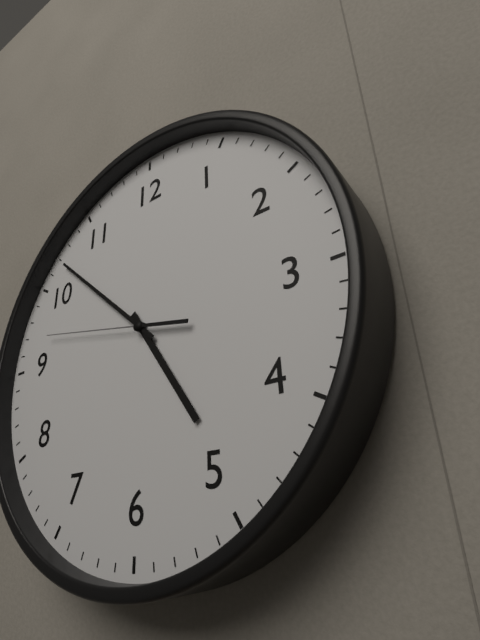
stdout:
4h52m47s
